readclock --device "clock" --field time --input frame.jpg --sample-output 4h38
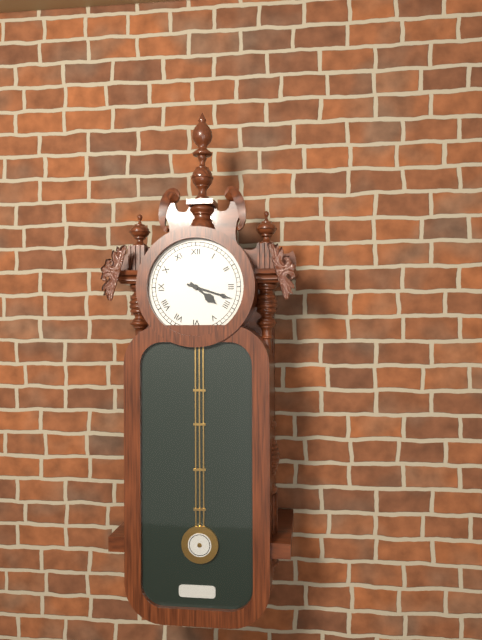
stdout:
4h18
